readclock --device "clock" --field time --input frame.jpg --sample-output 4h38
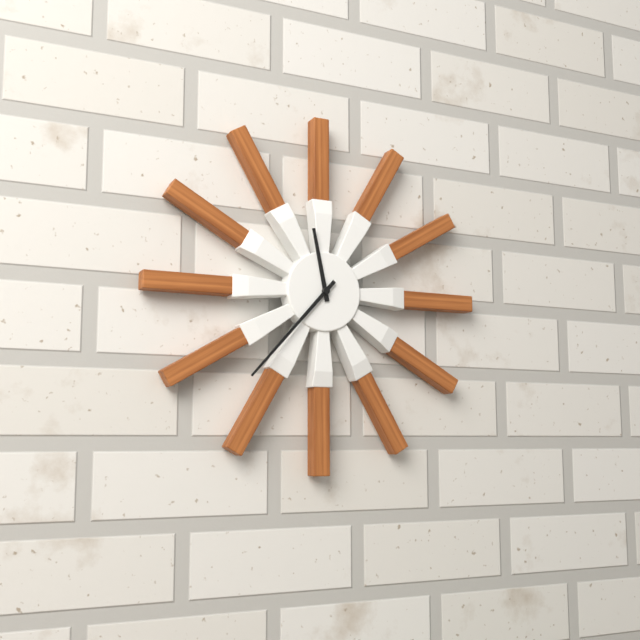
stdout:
11h37
